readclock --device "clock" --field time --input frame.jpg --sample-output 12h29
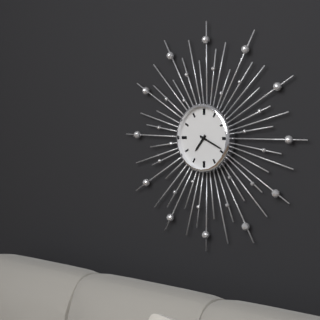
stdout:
7h19
